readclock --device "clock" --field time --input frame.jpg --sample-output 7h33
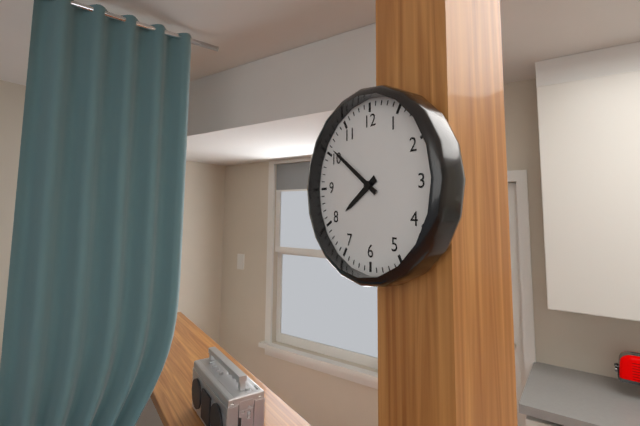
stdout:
7h51
